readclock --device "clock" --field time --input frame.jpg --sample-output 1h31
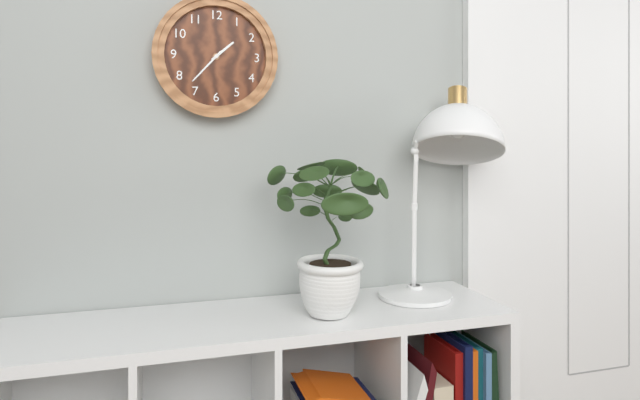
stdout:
1h37
